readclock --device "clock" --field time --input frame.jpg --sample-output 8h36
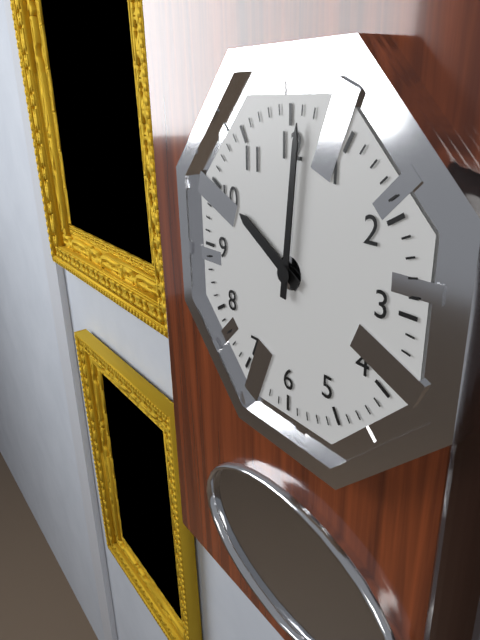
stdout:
10h01
